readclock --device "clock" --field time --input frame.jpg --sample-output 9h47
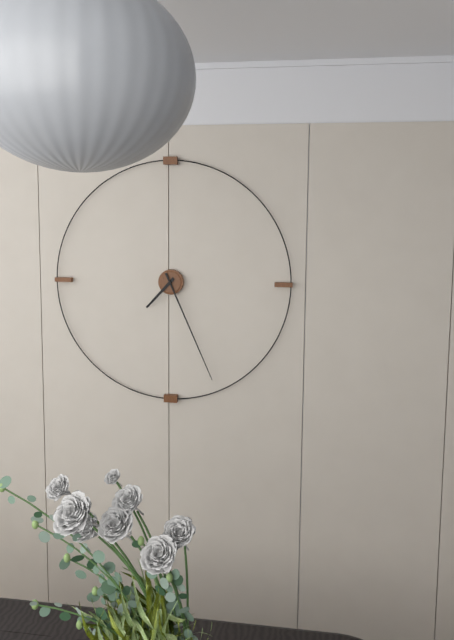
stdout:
7h26
